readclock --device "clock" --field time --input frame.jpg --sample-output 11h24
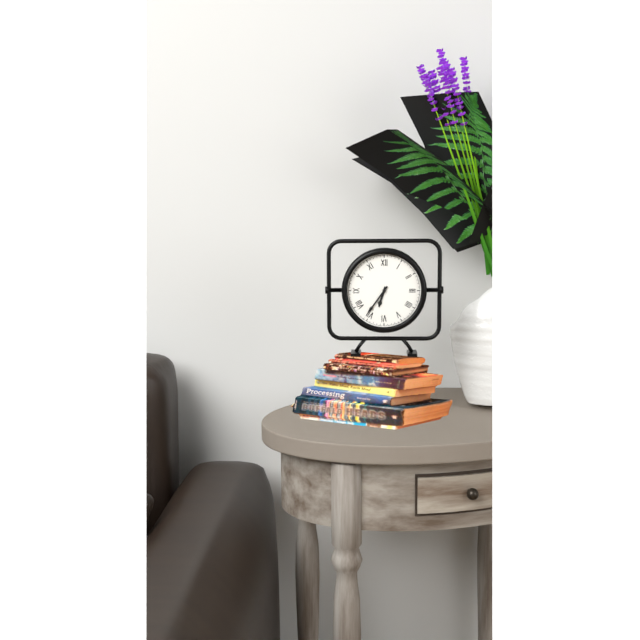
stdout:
6h36
